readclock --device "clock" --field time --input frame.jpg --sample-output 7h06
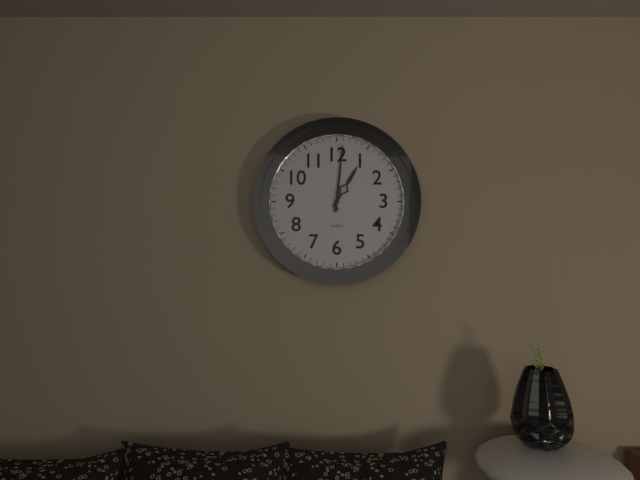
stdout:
1h01
